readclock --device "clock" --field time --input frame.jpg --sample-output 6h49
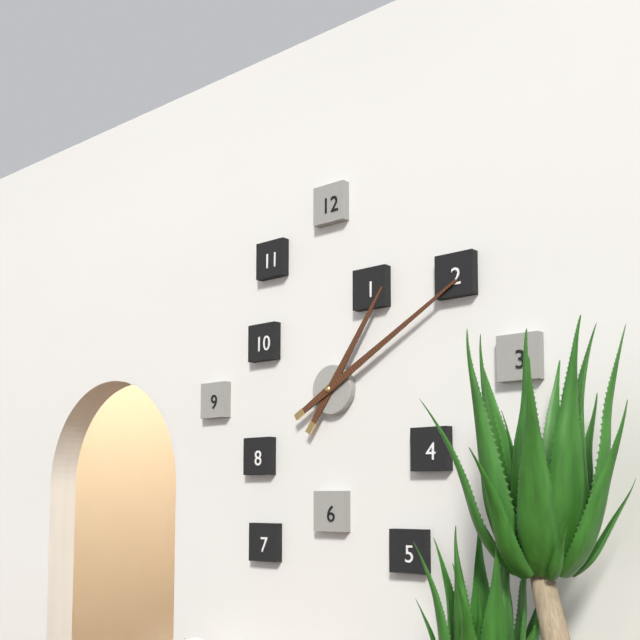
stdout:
1h10
